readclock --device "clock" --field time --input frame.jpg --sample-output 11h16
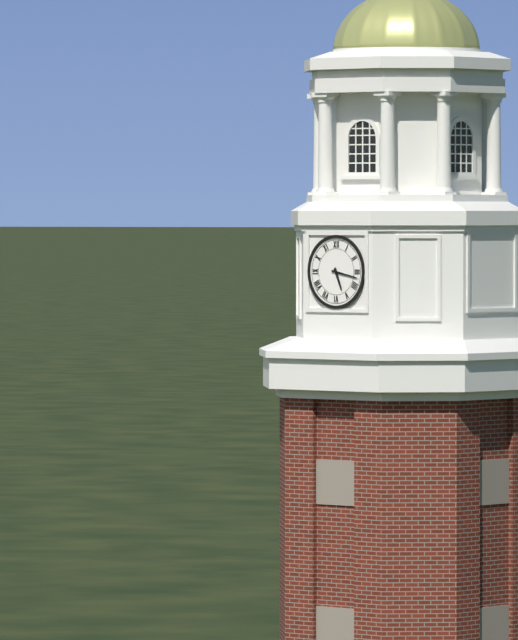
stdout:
5h17
